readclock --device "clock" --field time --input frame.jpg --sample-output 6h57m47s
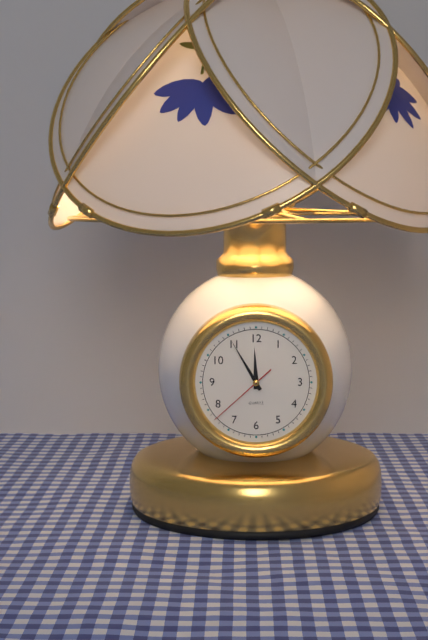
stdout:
11h55m38s
